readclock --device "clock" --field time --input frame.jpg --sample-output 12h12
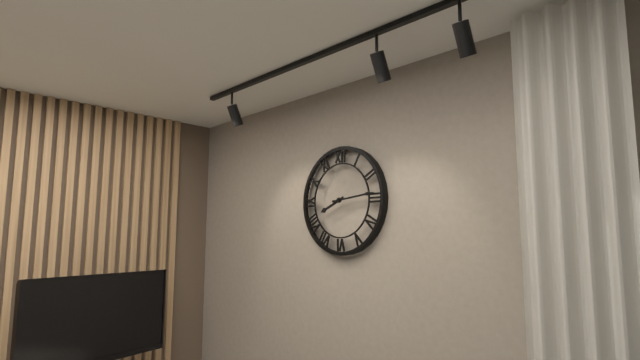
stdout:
8h14
